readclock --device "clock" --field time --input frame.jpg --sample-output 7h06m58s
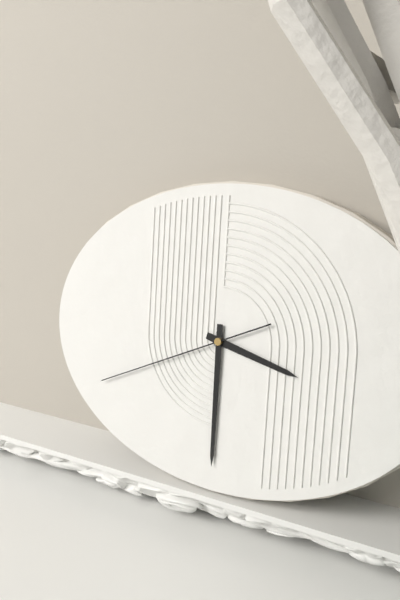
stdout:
3h30m41s
